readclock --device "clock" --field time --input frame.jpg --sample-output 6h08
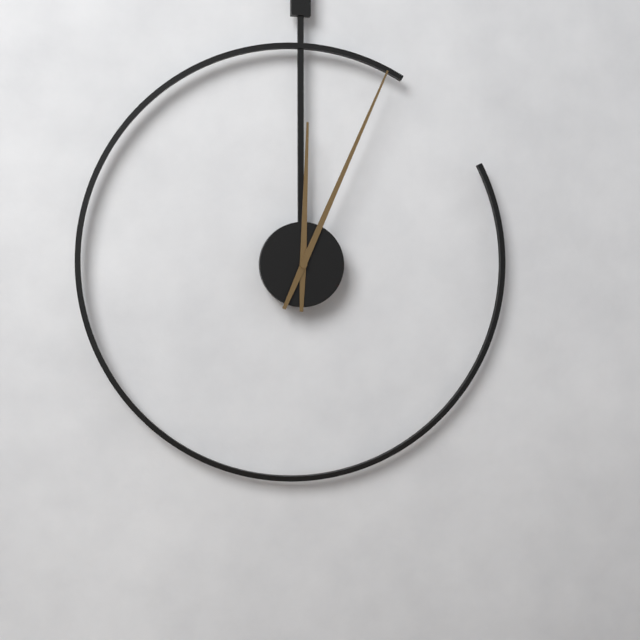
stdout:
12h04
